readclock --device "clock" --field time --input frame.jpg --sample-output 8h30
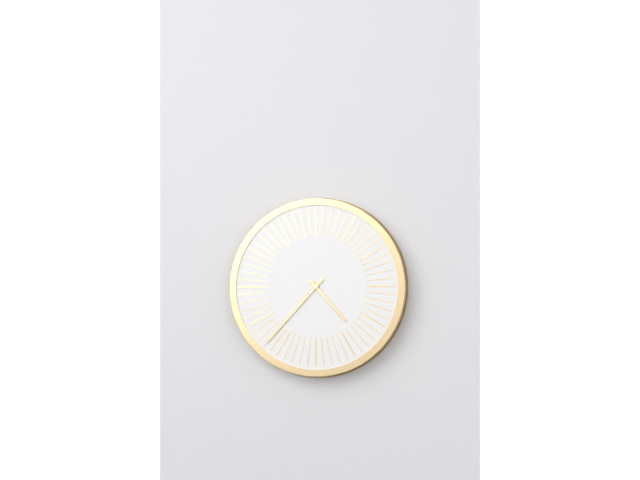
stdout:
4h37
